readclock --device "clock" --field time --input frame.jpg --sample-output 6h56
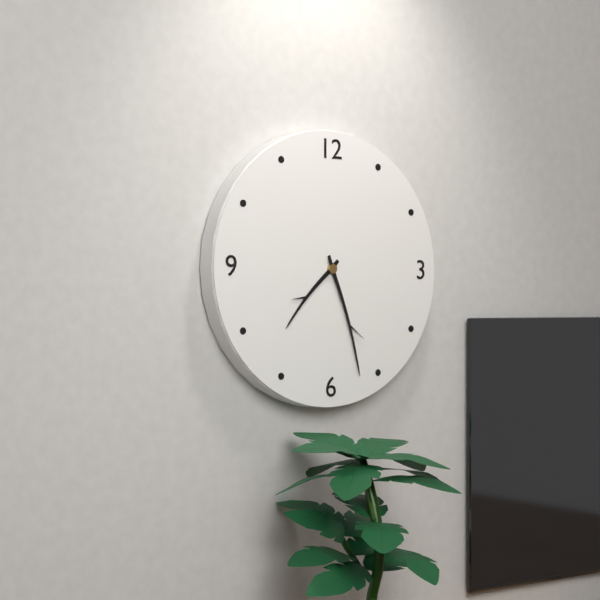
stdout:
7h27
